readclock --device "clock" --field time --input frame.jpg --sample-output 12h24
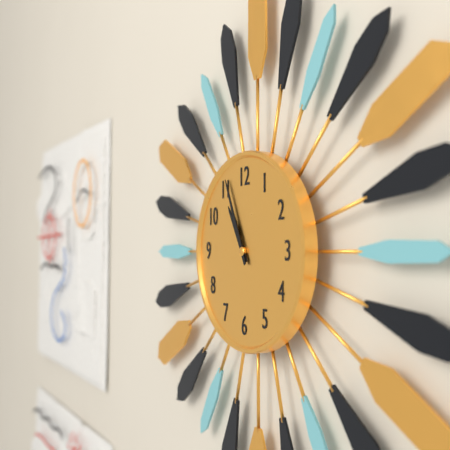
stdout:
10h56
